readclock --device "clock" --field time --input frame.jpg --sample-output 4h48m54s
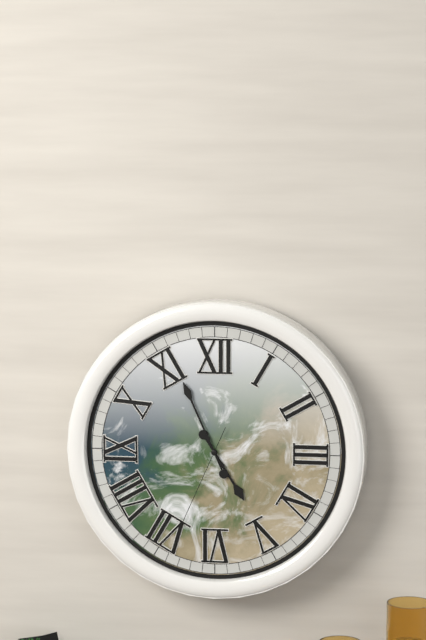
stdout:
4h56m34s
